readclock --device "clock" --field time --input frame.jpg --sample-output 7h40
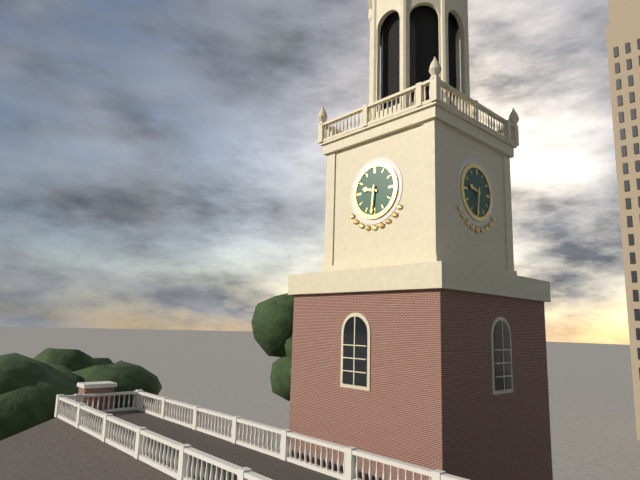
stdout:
9h31
